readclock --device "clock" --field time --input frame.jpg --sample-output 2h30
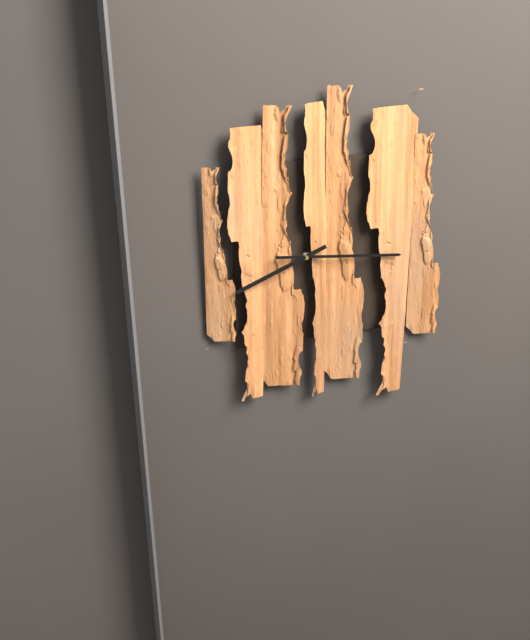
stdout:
8h16
